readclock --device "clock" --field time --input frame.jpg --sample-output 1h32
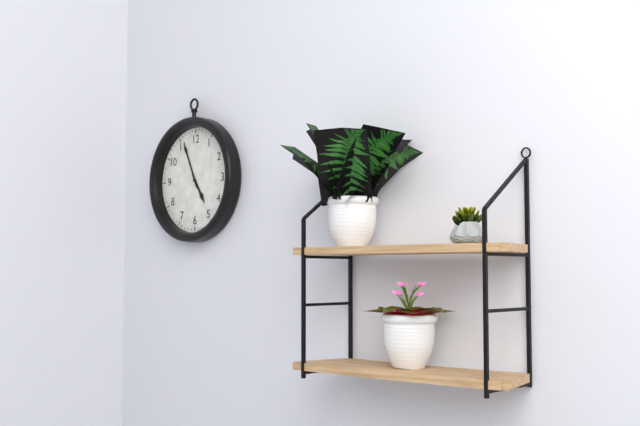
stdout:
4h56
